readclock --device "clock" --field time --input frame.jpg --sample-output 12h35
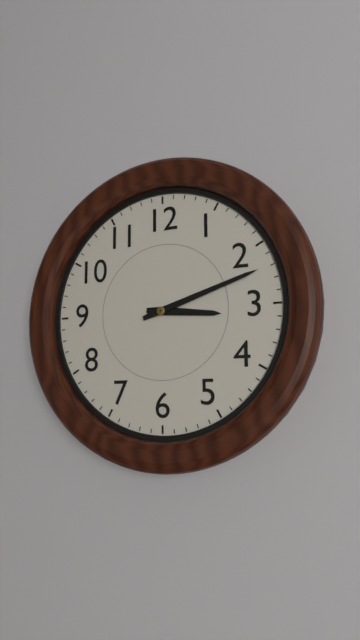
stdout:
3h12
